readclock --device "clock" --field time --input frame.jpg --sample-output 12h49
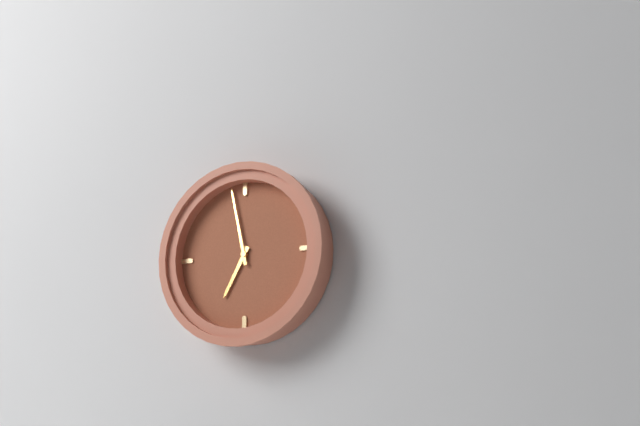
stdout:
6h58
